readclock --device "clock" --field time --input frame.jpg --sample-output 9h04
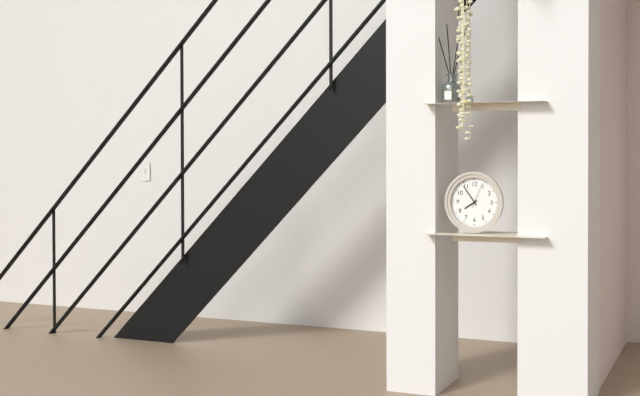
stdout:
7h54
